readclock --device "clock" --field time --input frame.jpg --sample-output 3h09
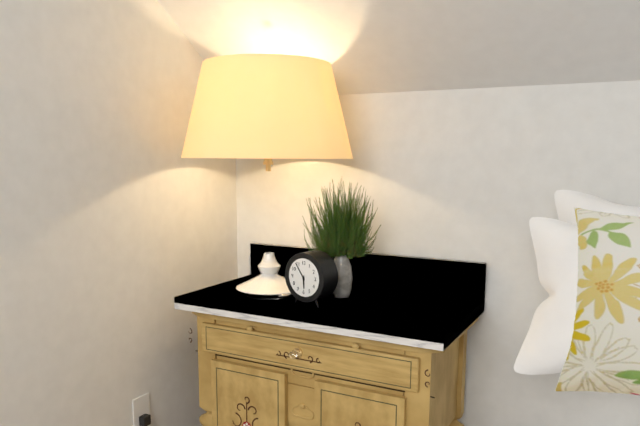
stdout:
5h54
